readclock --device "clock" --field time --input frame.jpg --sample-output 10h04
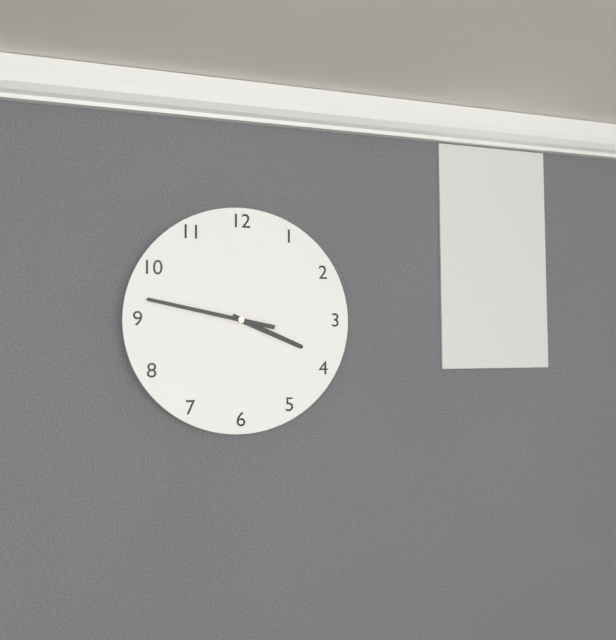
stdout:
3h47
